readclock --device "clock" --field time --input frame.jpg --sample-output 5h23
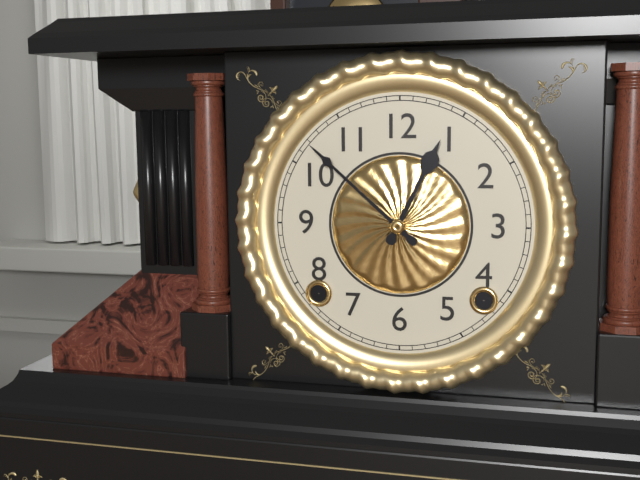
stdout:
12h52
